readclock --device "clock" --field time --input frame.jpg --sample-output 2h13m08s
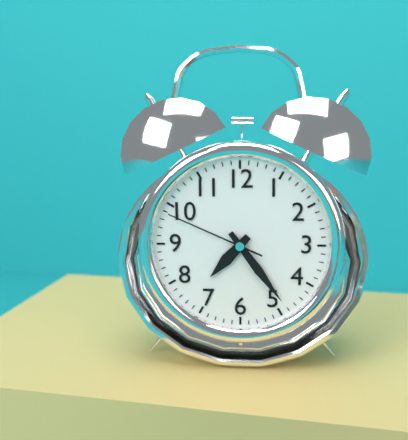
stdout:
7h24m49s
